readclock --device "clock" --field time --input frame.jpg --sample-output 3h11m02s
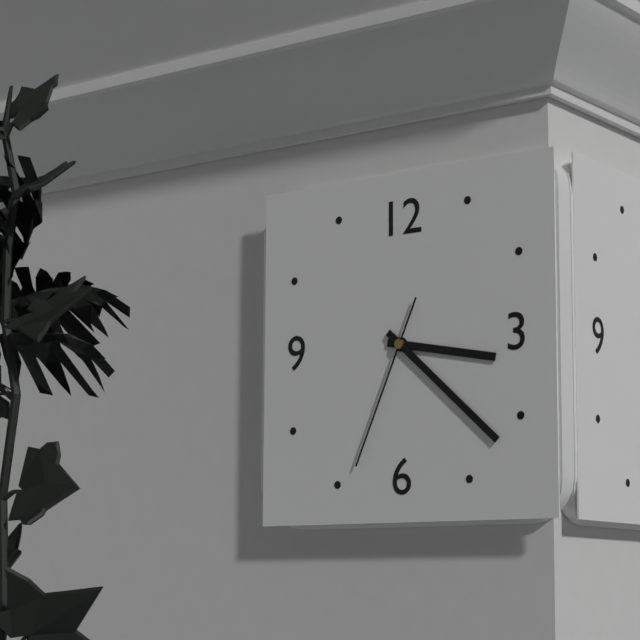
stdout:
3h22m34s
